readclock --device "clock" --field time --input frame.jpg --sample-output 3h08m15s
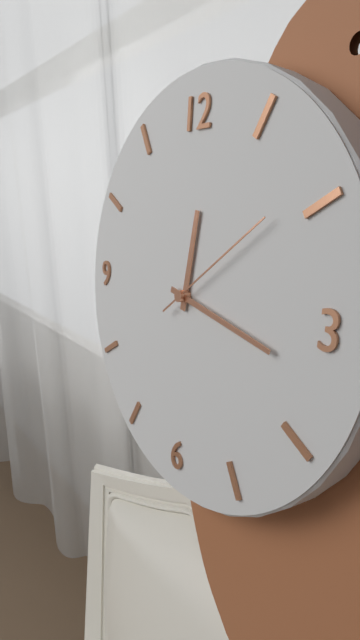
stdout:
12h17m09s
